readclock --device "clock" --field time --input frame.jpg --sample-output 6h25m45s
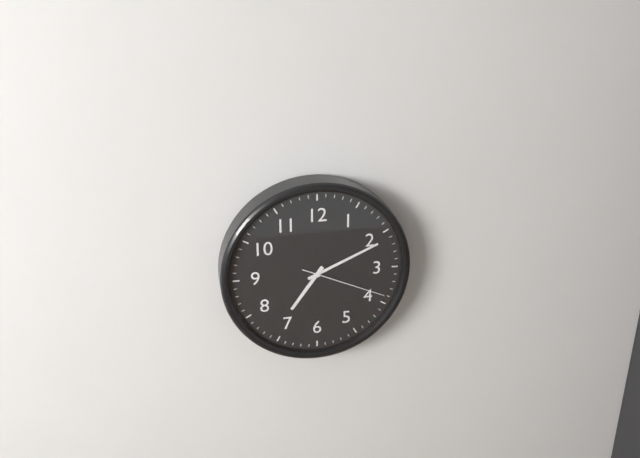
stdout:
7h11m19s
